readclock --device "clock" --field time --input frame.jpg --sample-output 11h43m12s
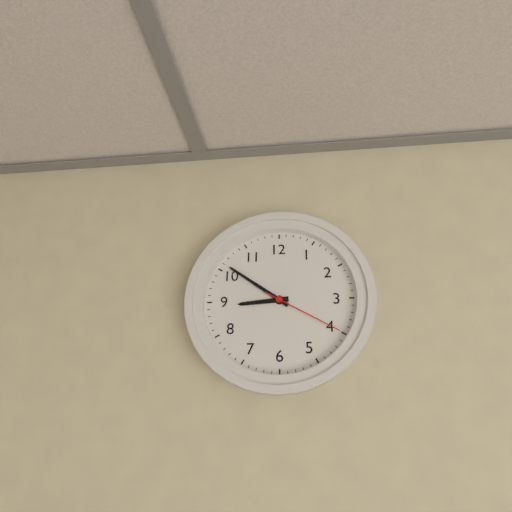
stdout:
8h51m20s
